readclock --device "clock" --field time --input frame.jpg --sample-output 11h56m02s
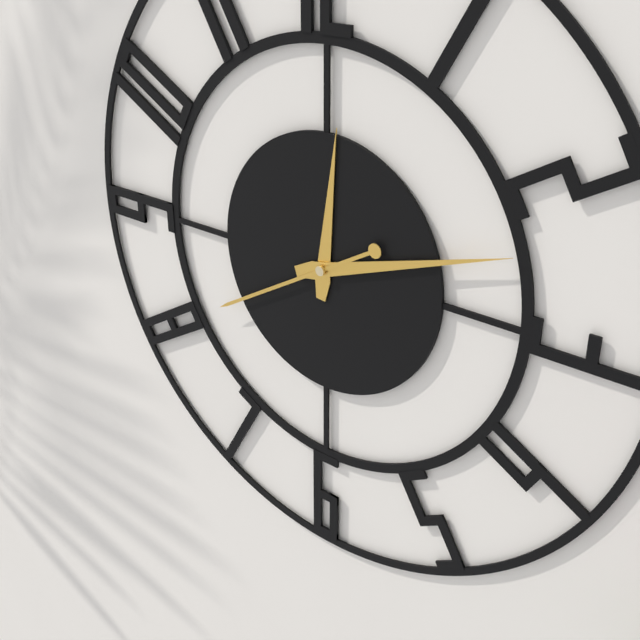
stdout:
12h12m40s
